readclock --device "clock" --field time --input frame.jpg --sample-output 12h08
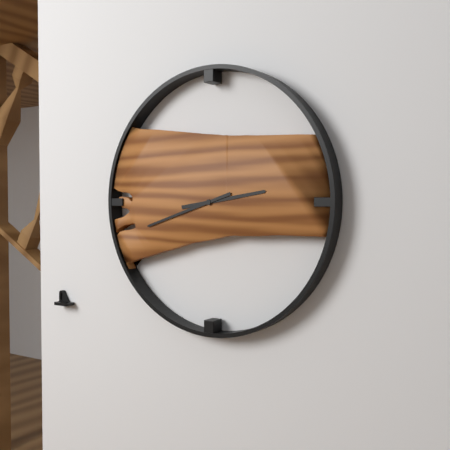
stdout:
2h42
